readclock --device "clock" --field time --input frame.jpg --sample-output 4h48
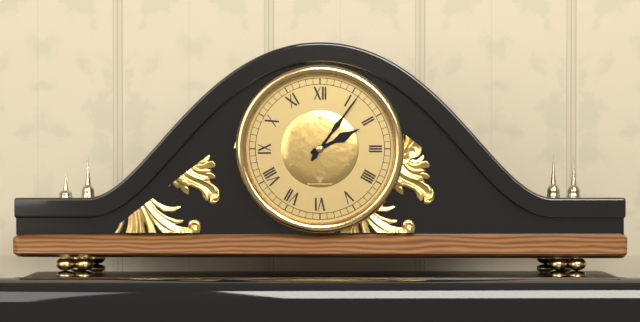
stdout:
2h06
